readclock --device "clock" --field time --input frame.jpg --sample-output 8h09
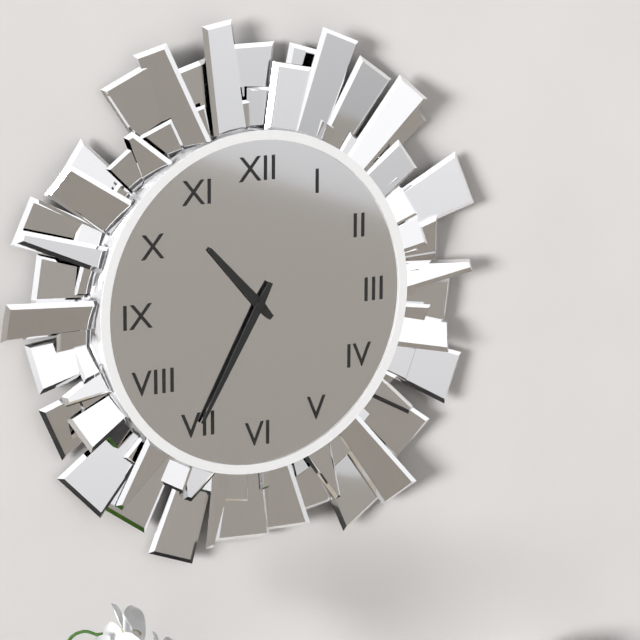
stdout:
10h35
